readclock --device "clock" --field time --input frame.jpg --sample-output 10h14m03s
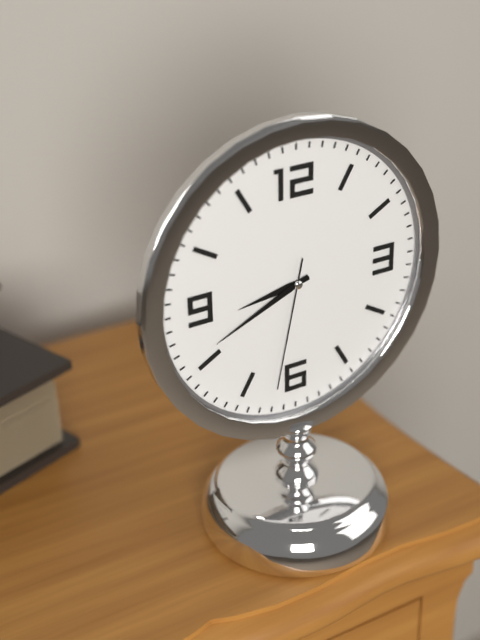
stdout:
8h41m32s
